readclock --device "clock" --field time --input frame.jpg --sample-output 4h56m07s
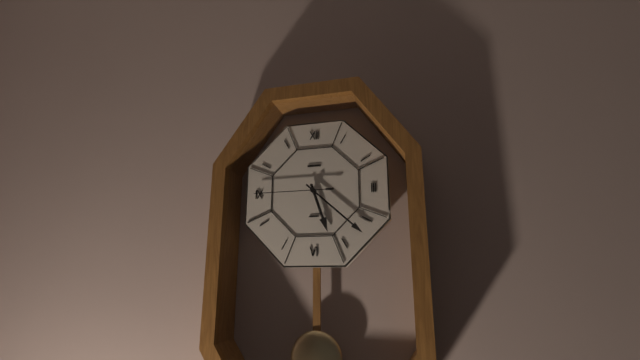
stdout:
5h22m45s
